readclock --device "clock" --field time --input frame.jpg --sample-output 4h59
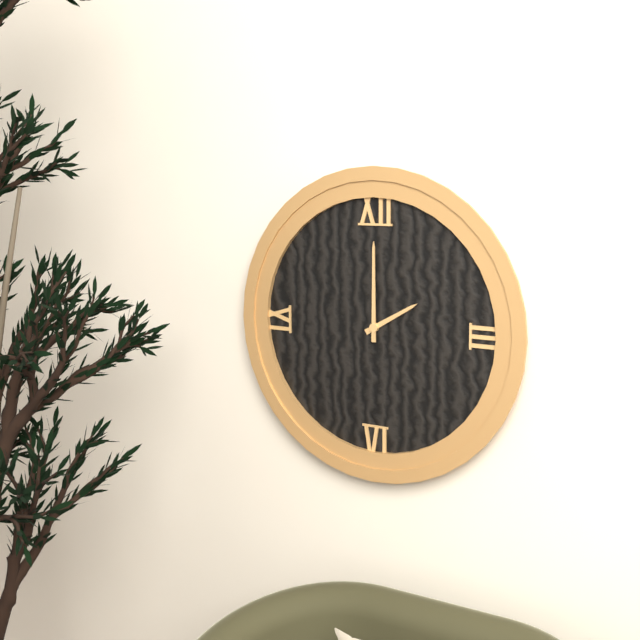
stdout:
2h00
